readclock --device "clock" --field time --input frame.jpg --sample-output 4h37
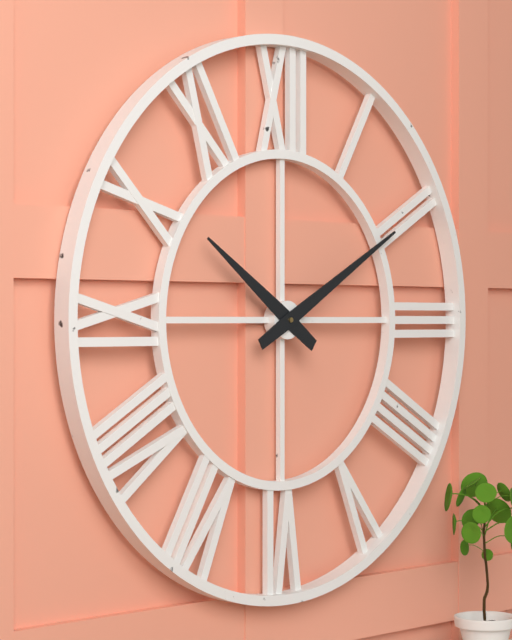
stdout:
10h10
